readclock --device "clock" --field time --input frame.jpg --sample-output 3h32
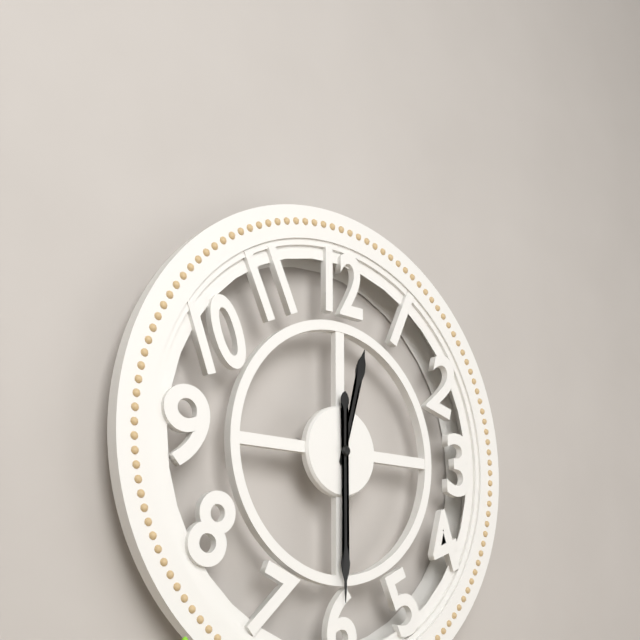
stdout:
12h30
